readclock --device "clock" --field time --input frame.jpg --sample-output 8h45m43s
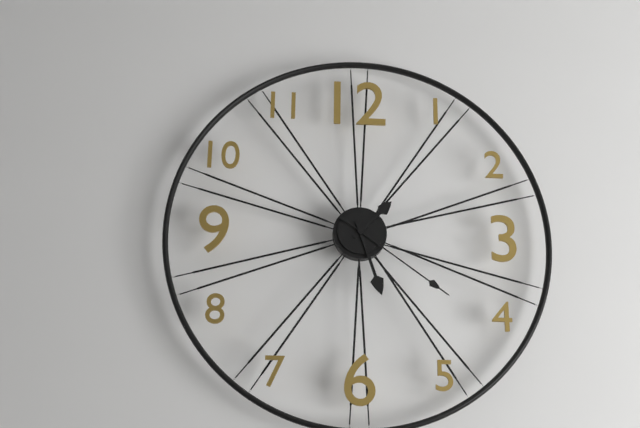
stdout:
1h27m21s
